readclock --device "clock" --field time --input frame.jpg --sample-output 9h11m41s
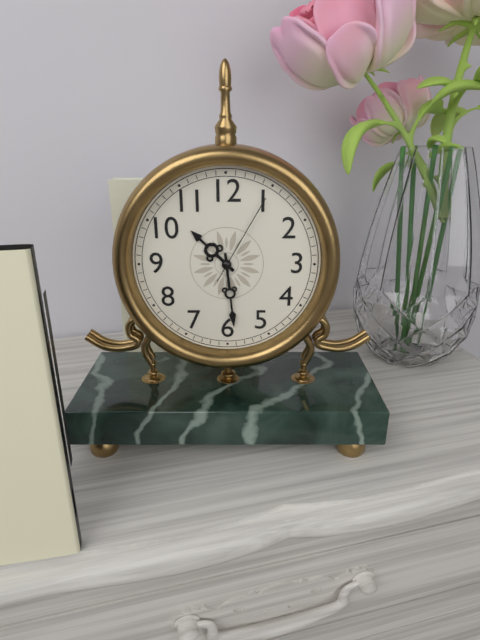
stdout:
10h29m05s
